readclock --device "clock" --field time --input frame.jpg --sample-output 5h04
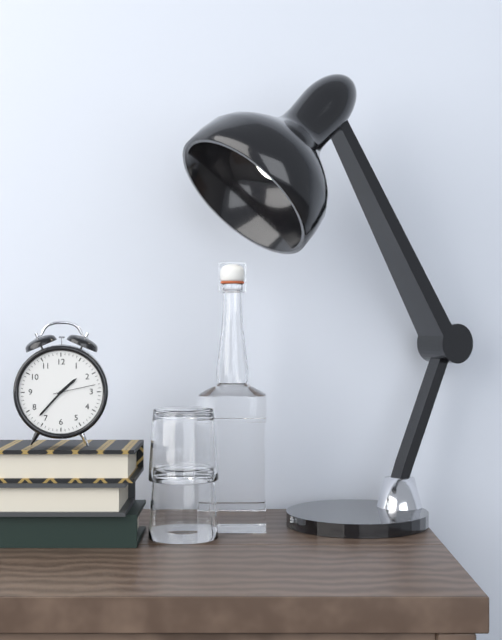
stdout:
1h37
